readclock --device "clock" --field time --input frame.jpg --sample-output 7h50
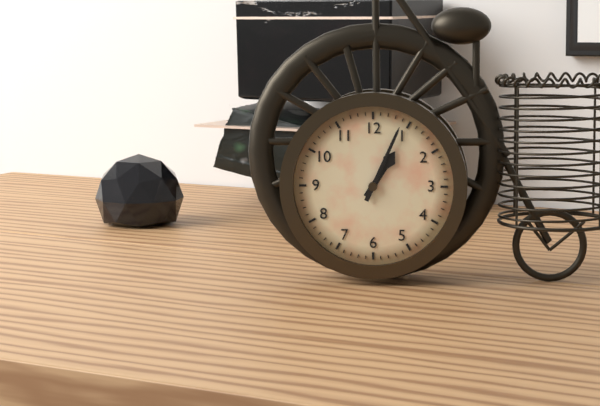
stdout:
1h04
